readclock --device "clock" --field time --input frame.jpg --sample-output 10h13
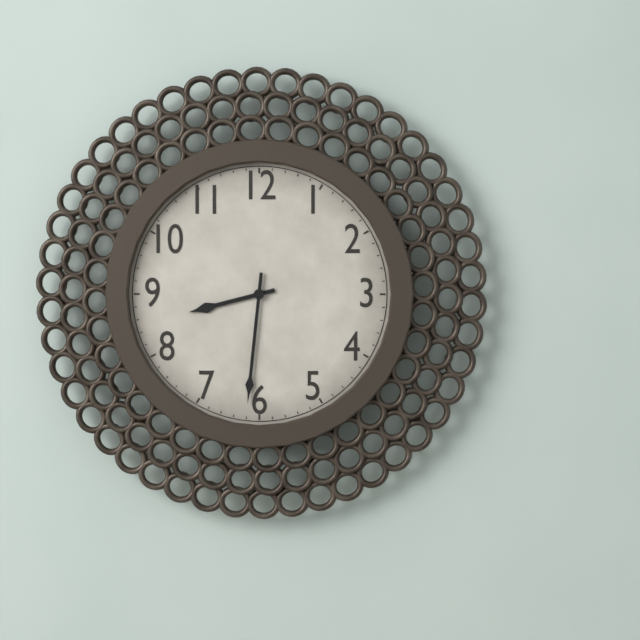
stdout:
8h31
